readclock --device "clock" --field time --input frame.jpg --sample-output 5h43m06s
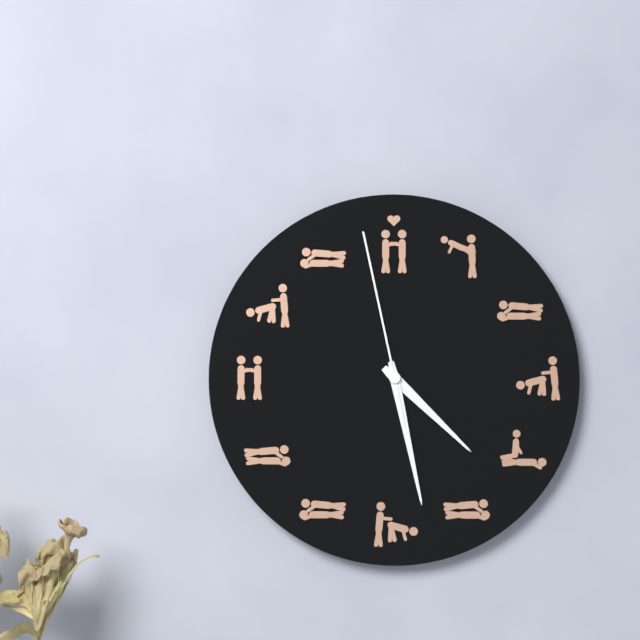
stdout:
4h28m58s
